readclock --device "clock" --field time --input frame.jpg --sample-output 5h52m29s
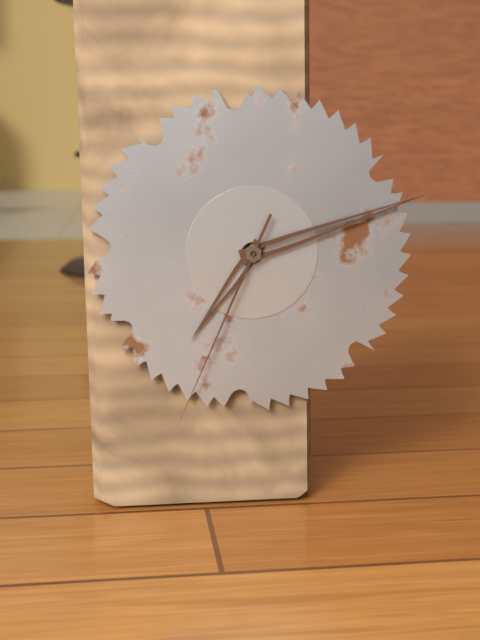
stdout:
7h12m34s
